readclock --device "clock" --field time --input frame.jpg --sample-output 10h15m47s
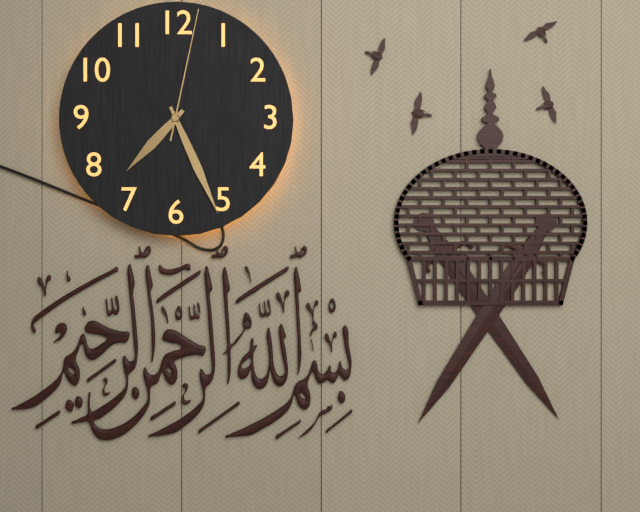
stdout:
7h26m02s
